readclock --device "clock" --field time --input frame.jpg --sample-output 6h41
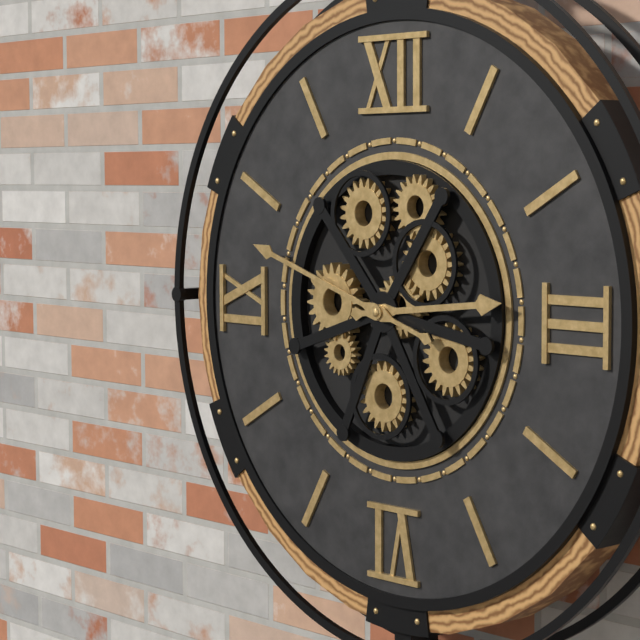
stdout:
2h48
